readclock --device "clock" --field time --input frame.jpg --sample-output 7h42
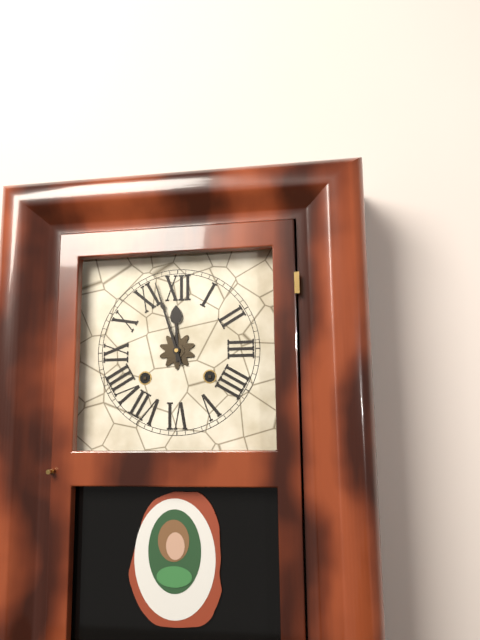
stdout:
11h57
